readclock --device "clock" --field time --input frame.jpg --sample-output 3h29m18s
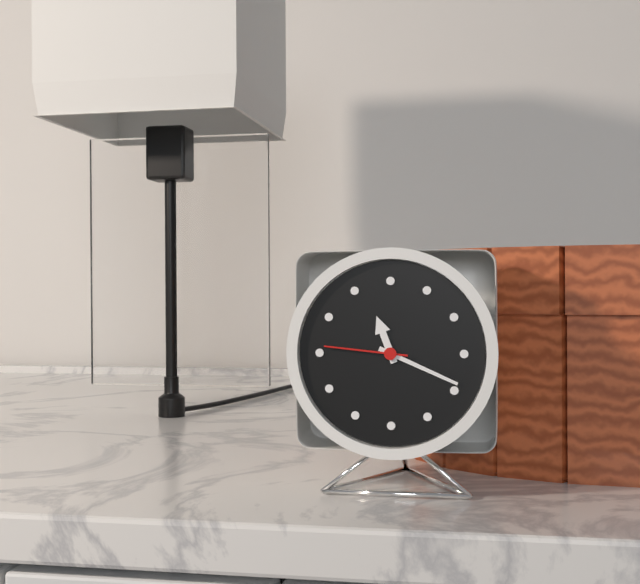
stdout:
11h19m46s
